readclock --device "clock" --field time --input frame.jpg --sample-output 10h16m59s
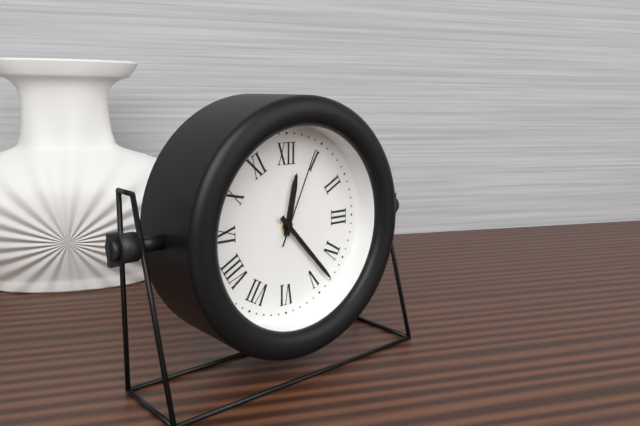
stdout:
12h23m04s
